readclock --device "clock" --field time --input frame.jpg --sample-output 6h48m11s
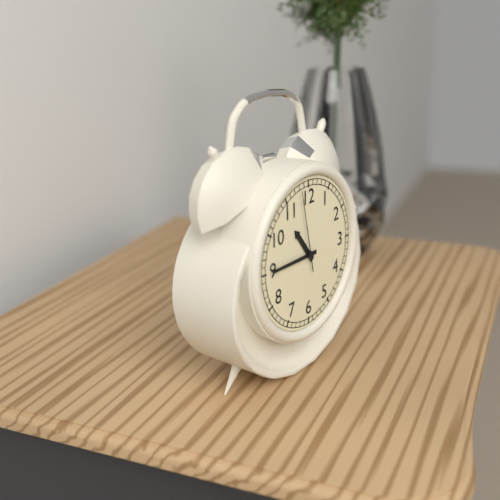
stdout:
10h45m58s
